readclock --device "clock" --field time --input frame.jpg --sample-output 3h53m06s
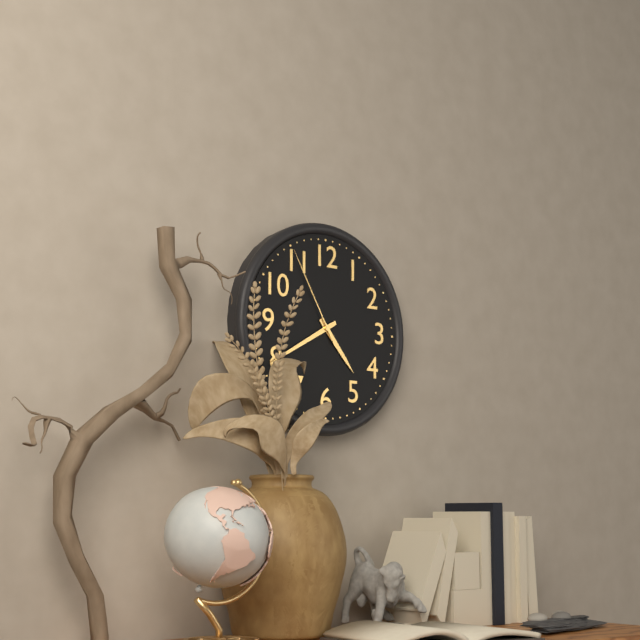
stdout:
4h40m55s
